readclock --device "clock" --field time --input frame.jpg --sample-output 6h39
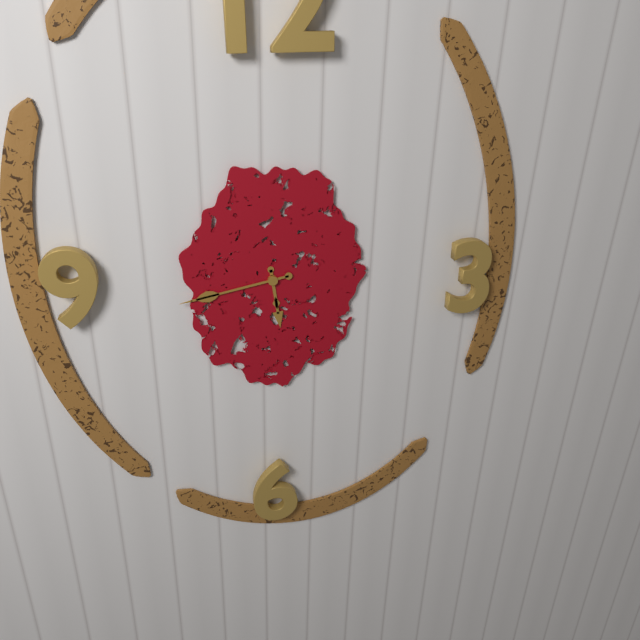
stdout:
5h43
